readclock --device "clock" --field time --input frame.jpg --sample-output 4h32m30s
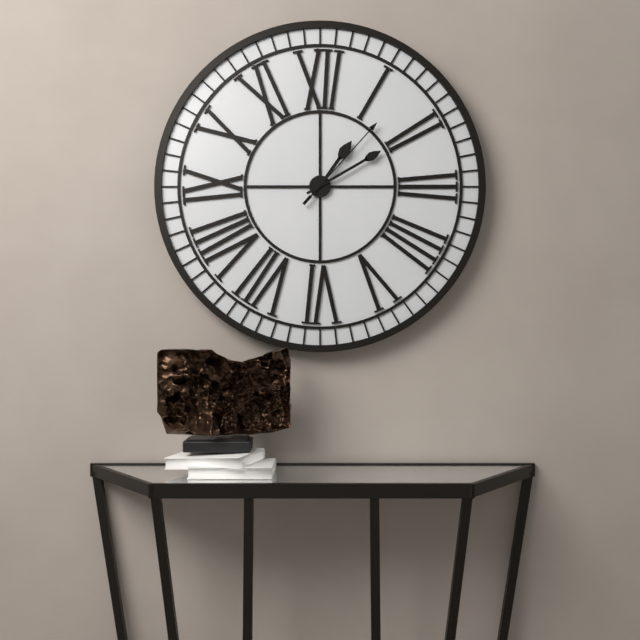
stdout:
1h10m07s
